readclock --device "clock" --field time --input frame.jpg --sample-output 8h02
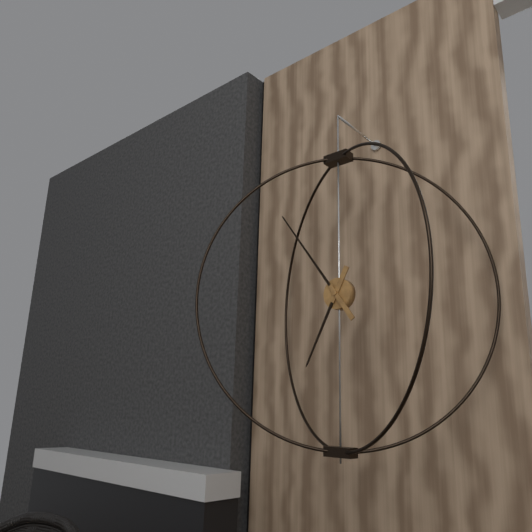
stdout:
6h54
